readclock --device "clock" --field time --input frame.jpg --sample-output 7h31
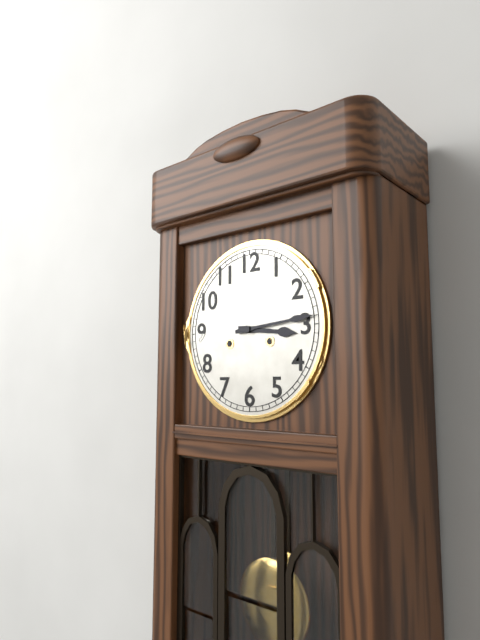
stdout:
3h14
